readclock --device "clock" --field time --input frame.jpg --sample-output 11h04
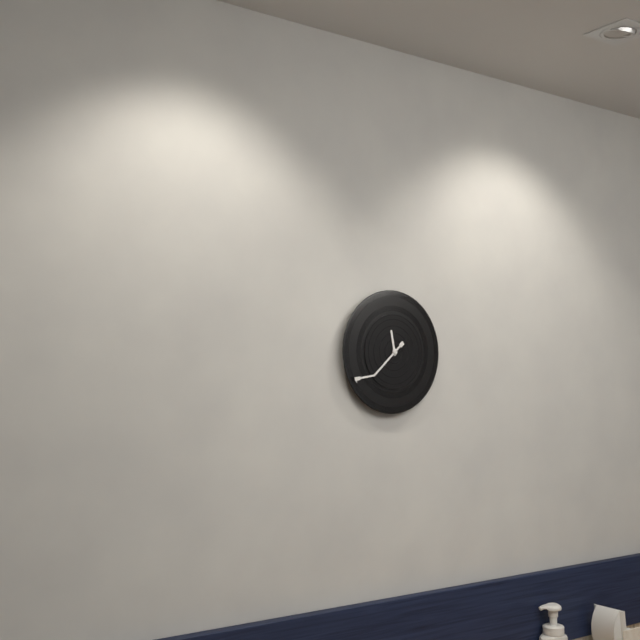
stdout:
11h38
